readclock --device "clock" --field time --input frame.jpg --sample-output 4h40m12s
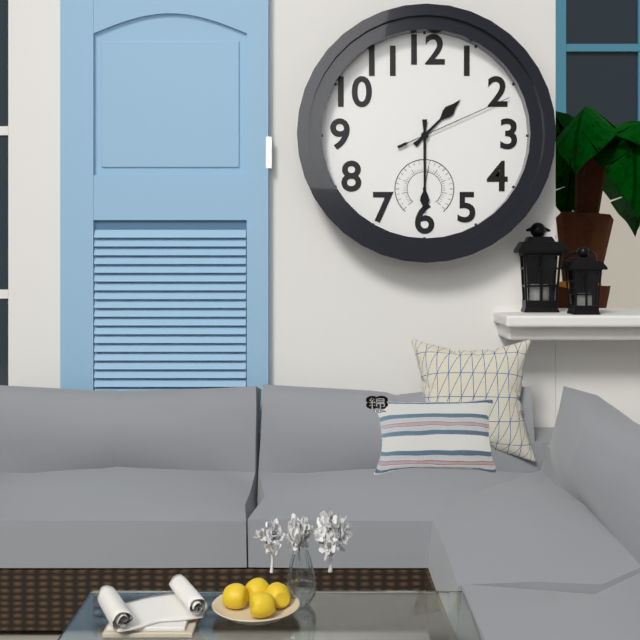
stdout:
1h30m11s
